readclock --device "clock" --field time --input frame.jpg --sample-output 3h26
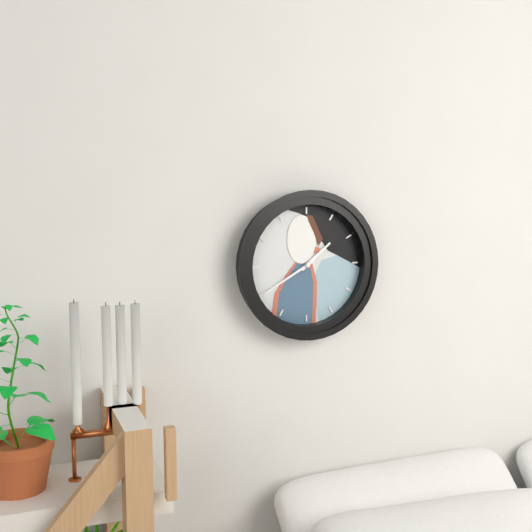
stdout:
1h40
